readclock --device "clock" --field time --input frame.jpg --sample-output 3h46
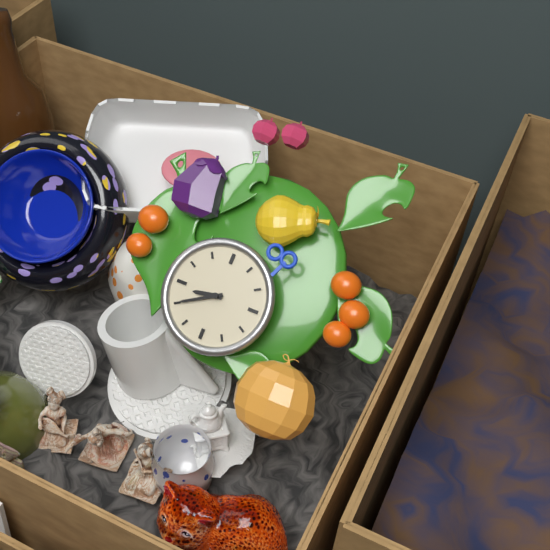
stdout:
8h40
